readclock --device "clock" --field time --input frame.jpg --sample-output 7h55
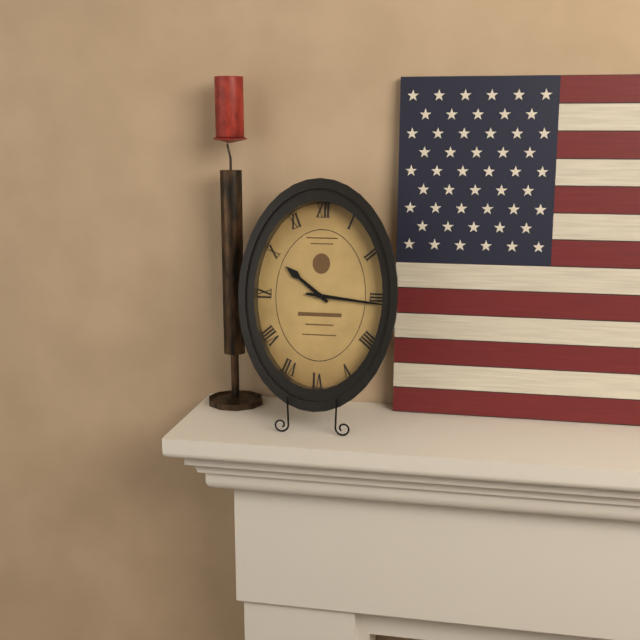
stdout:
10h16
